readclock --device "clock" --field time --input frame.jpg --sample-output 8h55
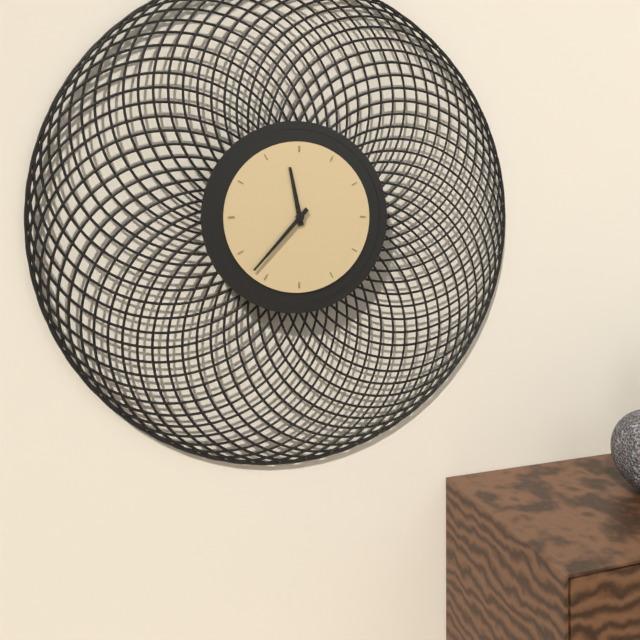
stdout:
11h37
